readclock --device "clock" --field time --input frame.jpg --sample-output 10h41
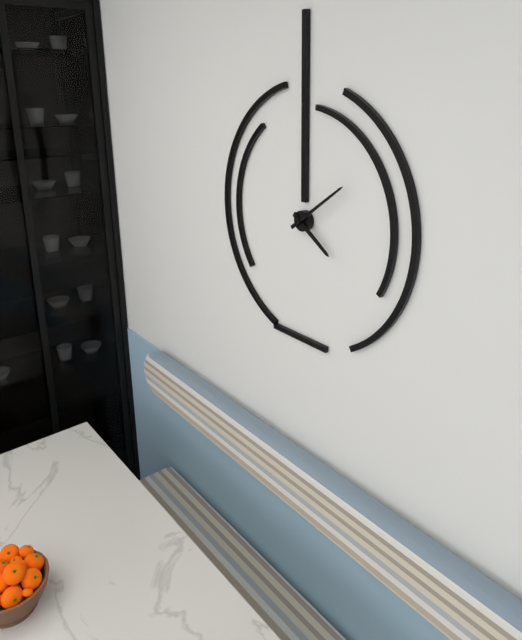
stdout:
4h09
